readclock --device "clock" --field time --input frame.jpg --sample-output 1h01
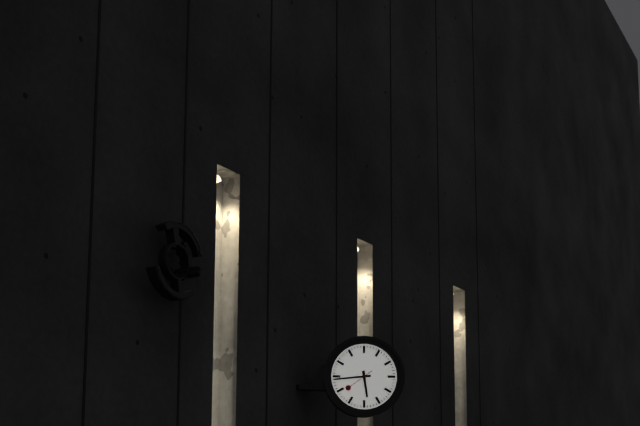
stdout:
5h44
